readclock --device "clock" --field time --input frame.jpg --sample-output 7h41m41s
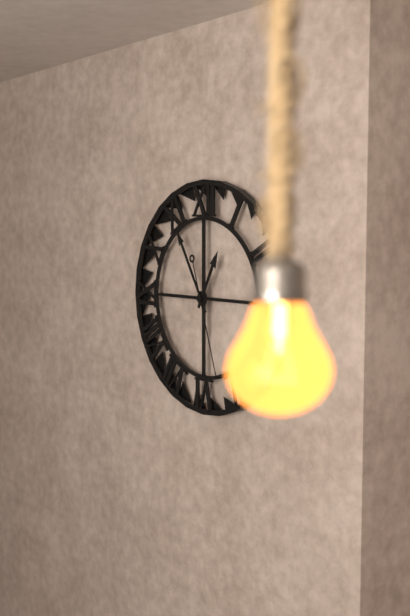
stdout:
12h55m27s
